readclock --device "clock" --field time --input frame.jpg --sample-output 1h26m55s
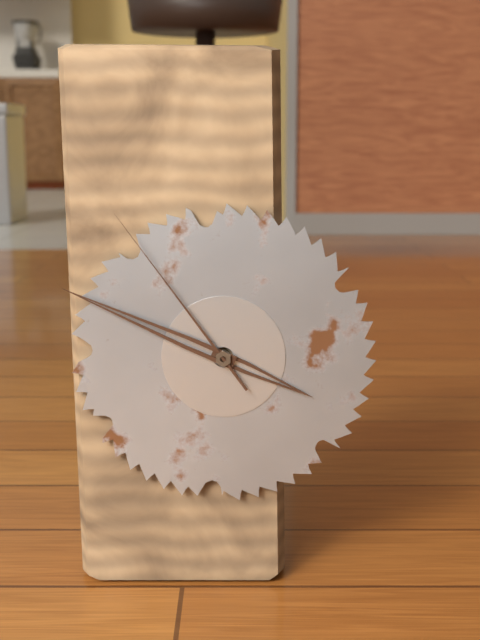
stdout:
3h49m54s
